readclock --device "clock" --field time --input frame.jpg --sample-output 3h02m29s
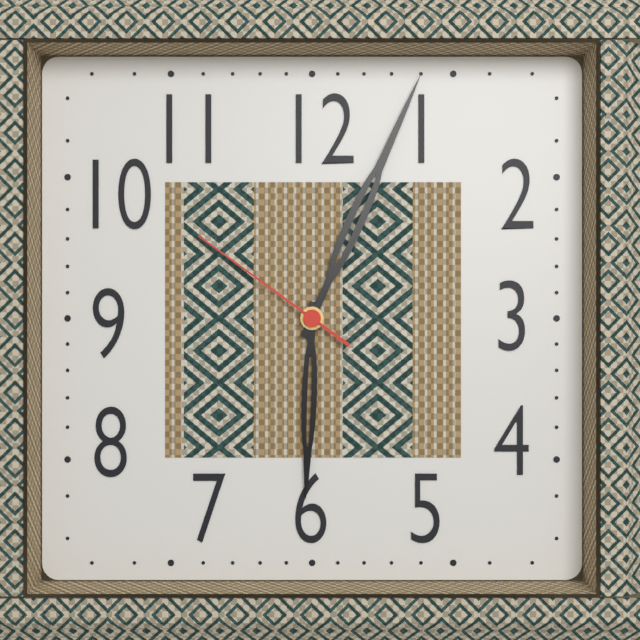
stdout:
6h04m51s
